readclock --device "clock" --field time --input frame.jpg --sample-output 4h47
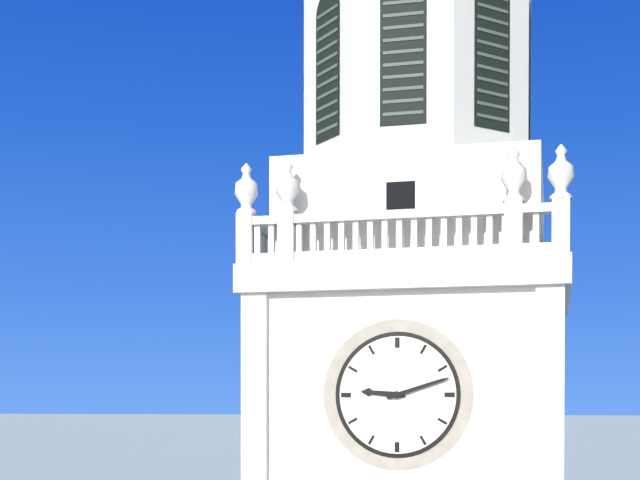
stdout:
9h12
